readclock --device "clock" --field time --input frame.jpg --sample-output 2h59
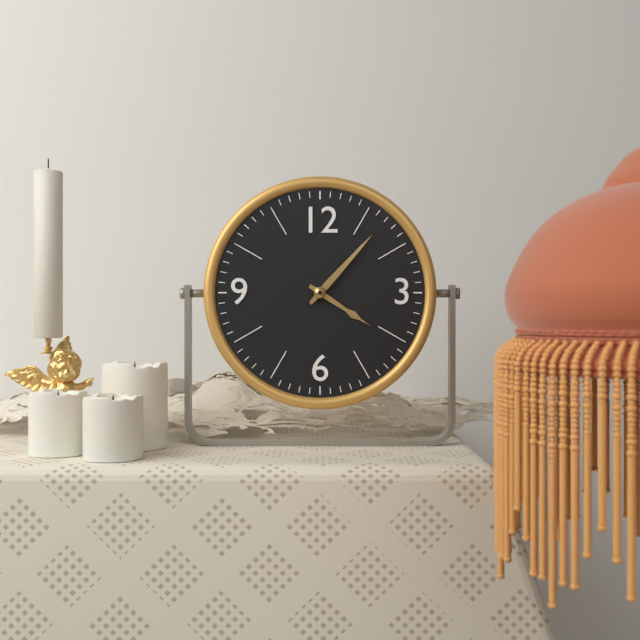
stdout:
4h07
